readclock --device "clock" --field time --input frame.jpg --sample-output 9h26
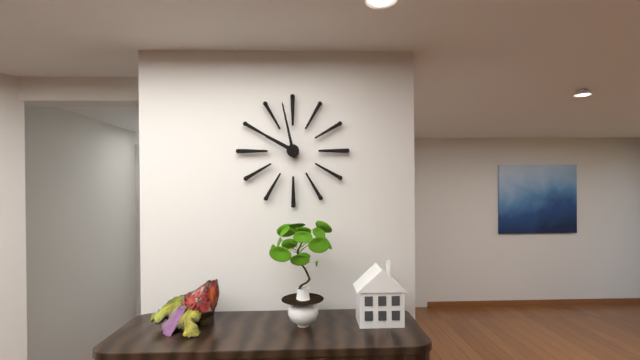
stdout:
9h58
